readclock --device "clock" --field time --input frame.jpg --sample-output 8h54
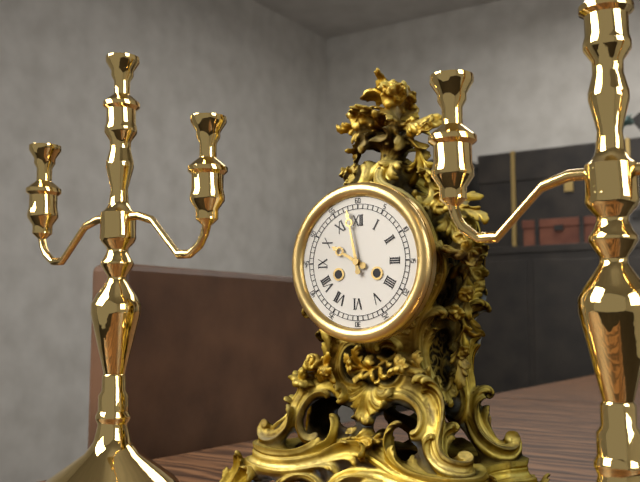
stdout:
9h58
